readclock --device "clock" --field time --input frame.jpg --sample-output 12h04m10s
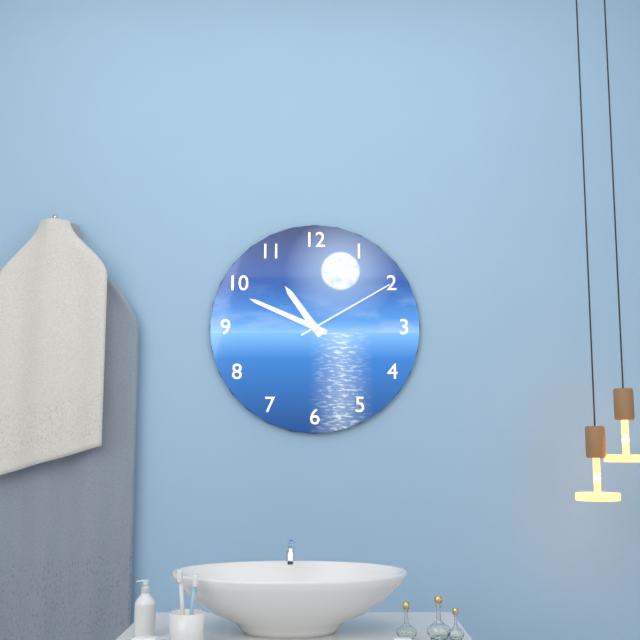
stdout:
10h49m10s
